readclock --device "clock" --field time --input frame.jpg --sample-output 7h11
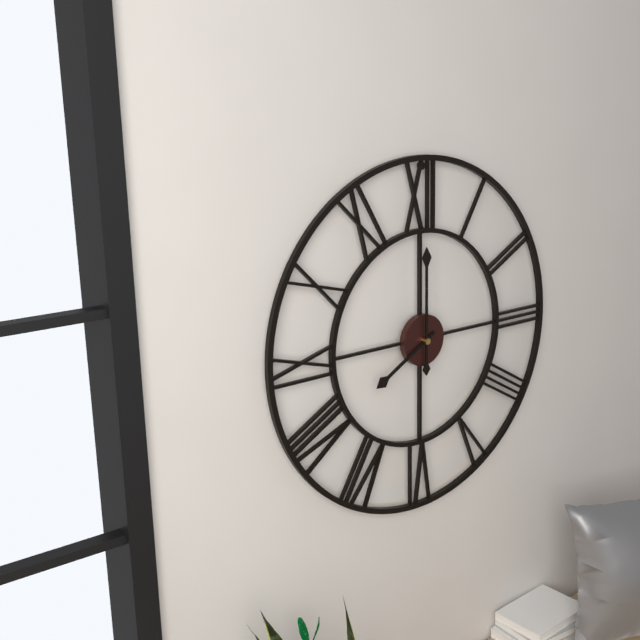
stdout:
8h00
